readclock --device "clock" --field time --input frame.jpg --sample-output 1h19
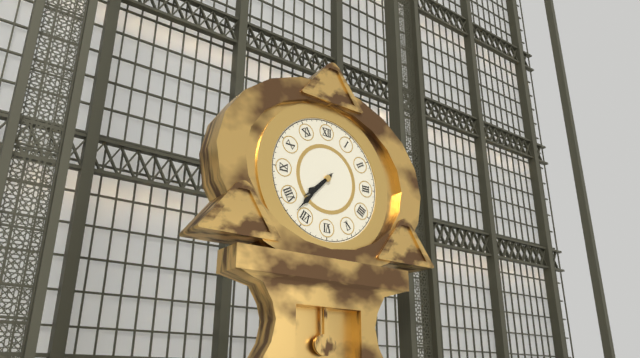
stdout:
7h37
